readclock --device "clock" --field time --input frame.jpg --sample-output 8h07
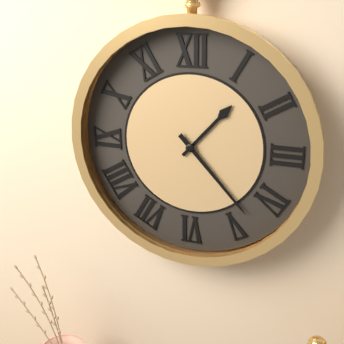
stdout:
1h23
